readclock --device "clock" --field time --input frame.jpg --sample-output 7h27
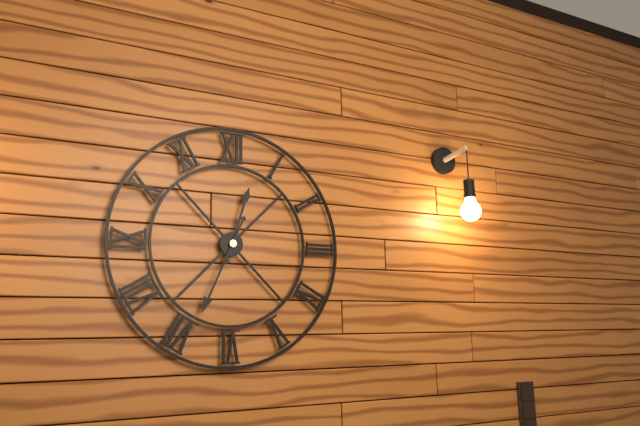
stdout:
12h34
